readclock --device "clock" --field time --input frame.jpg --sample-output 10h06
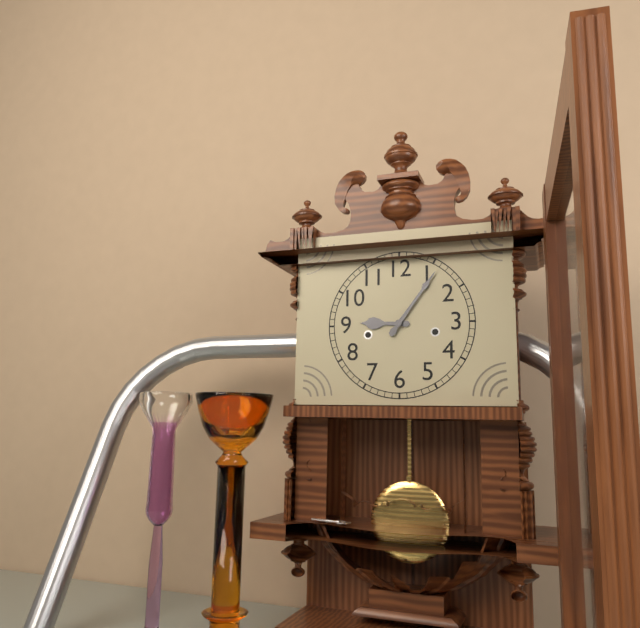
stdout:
9h06
